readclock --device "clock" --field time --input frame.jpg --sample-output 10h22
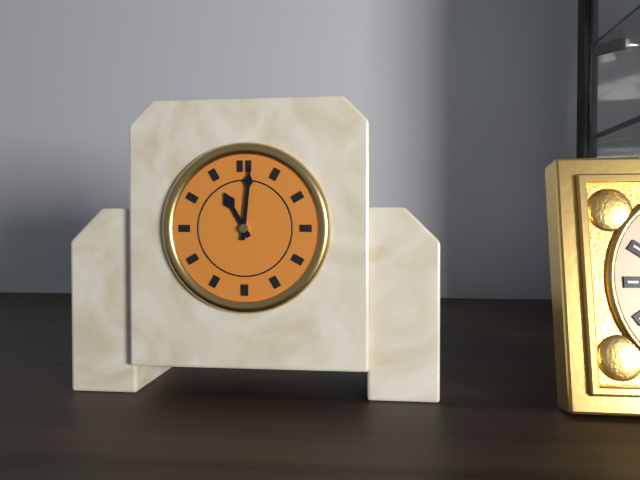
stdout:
11h01
